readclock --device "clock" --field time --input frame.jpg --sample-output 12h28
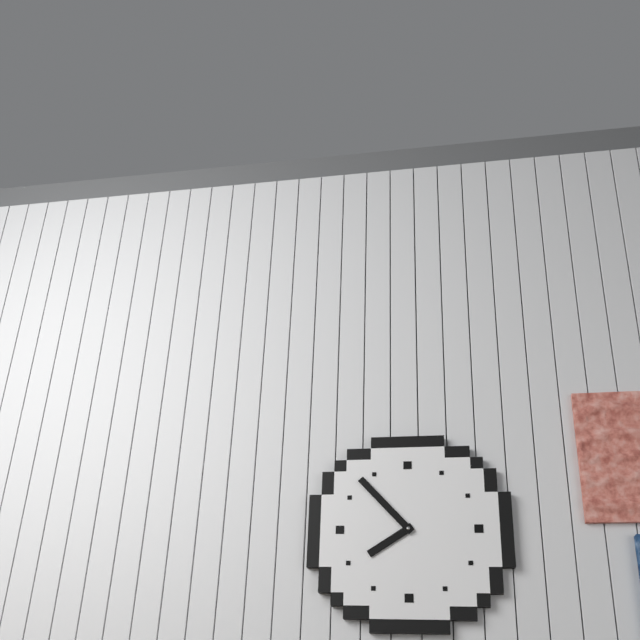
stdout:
7h53
